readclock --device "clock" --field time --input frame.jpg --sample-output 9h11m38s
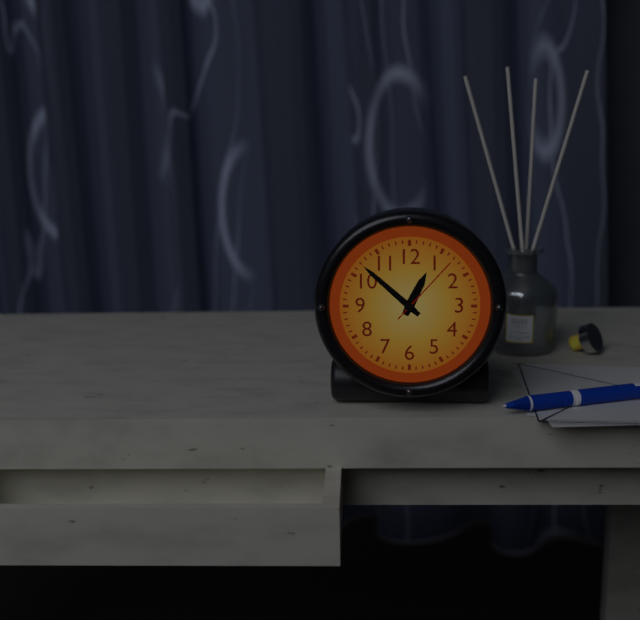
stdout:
12h52m07s
